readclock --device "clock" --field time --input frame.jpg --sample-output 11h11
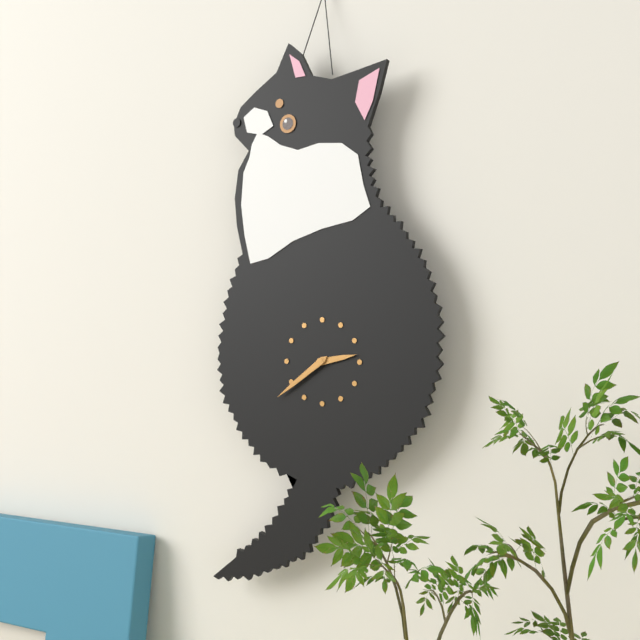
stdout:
2h39
